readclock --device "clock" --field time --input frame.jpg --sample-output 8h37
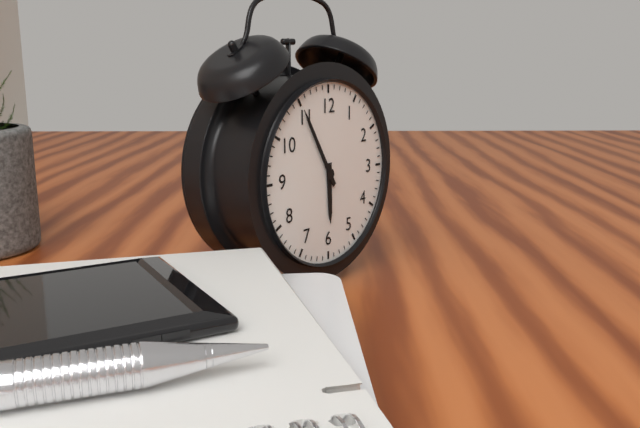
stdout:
5h55
